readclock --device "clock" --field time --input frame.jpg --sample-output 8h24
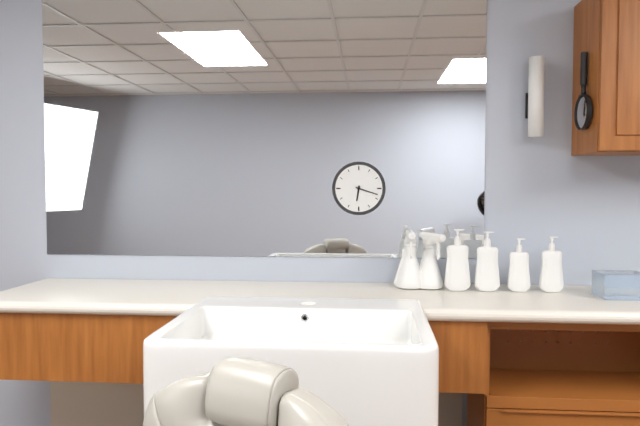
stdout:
6h18
